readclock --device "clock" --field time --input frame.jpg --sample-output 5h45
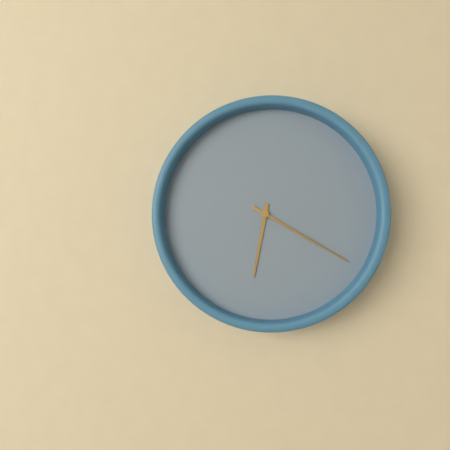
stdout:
6h20
